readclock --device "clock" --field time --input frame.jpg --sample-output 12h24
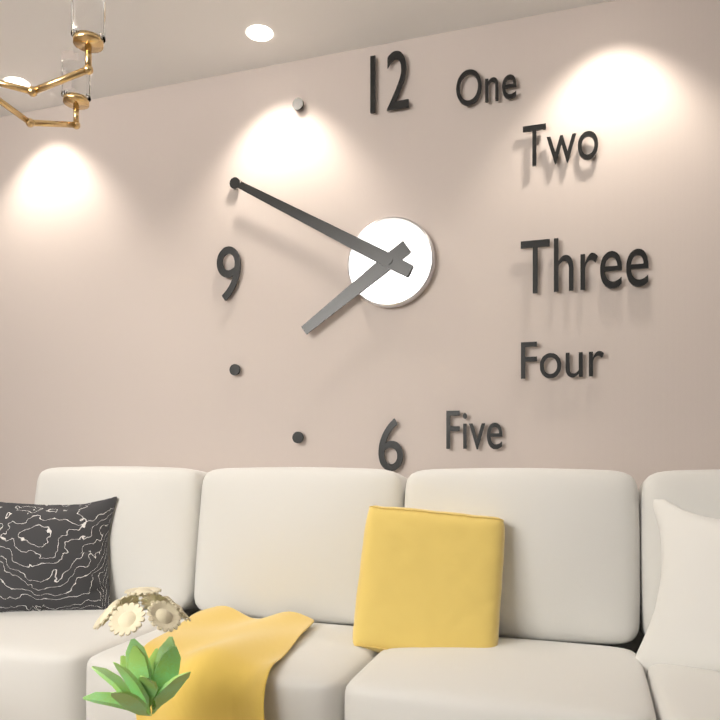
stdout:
7h50
